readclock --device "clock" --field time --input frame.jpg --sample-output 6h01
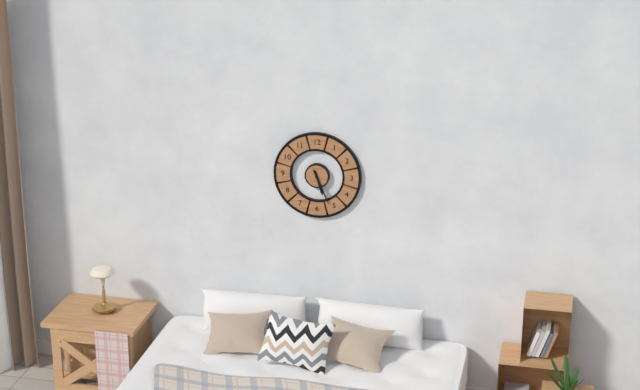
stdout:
5h26
